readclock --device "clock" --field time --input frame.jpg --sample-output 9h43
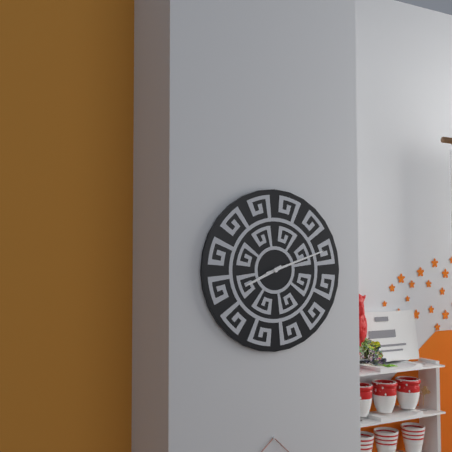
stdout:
8h12
